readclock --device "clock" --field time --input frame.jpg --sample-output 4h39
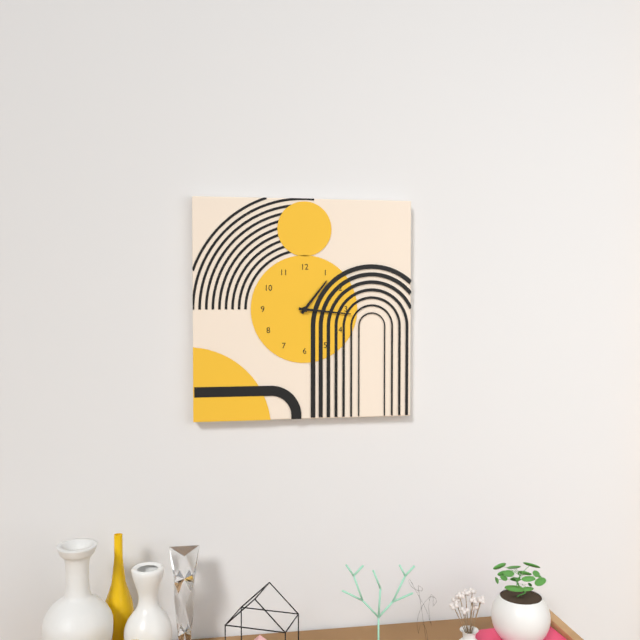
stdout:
1h16
